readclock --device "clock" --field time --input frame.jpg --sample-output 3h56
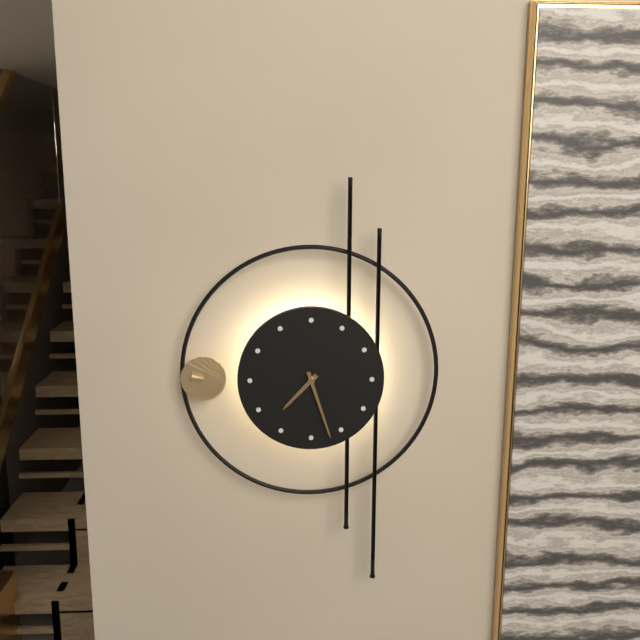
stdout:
7h27
